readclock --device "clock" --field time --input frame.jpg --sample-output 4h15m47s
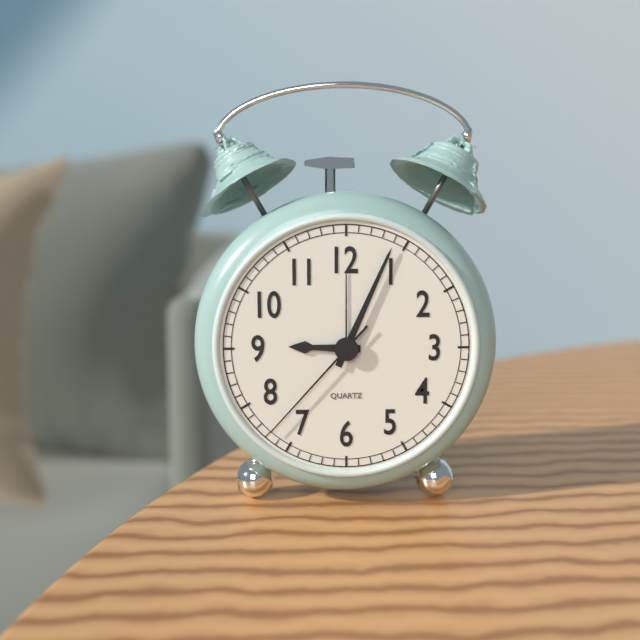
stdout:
9h04m37s
